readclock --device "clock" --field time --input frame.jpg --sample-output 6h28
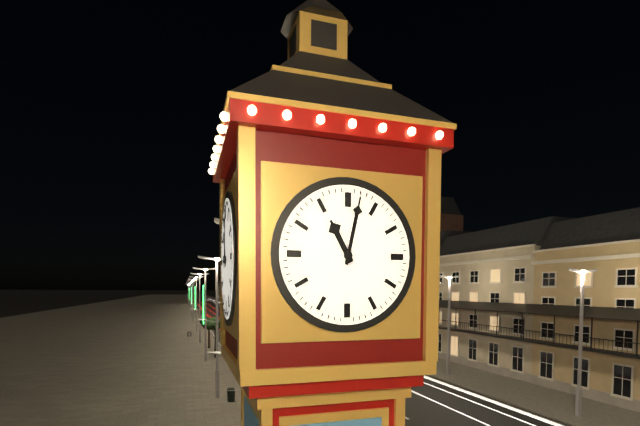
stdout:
11h02
